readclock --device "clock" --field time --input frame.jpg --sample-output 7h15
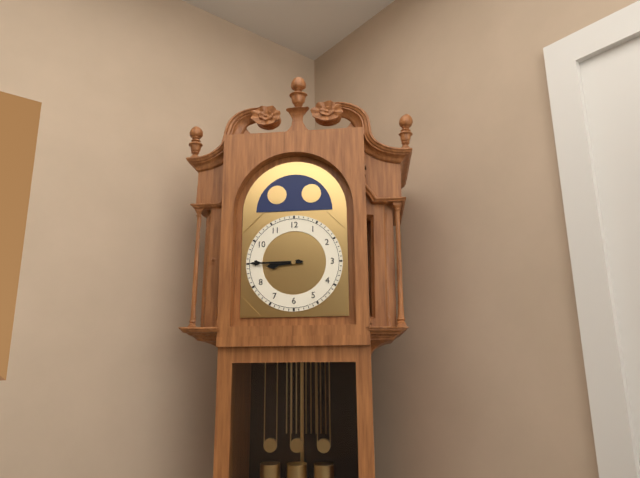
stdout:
8h45
